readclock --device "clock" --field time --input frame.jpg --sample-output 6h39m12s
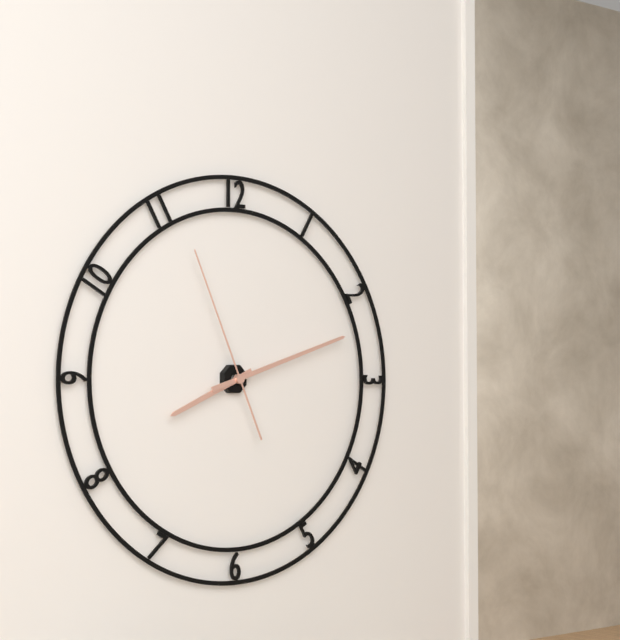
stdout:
8h12m56s
